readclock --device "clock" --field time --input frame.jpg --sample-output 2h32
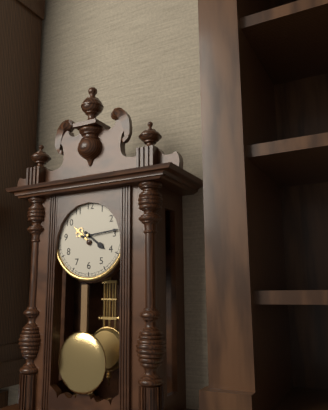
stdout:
4h14
